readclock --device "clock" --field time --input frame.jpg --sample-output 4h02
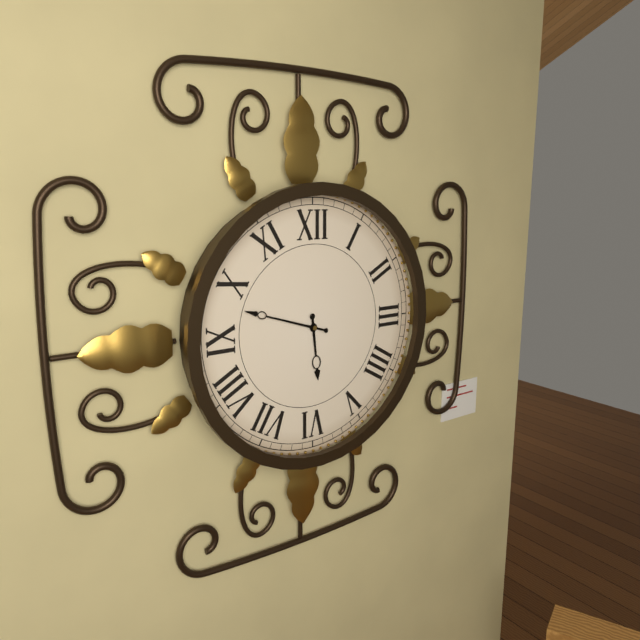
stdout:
5h48
